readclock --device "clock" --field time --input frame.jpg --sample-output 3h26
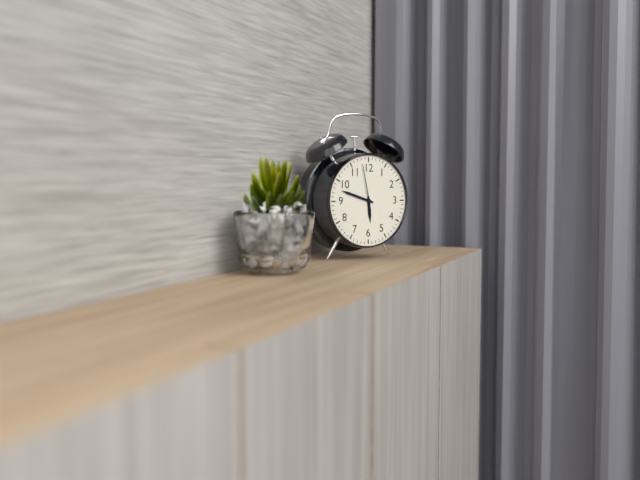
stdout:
5h48
